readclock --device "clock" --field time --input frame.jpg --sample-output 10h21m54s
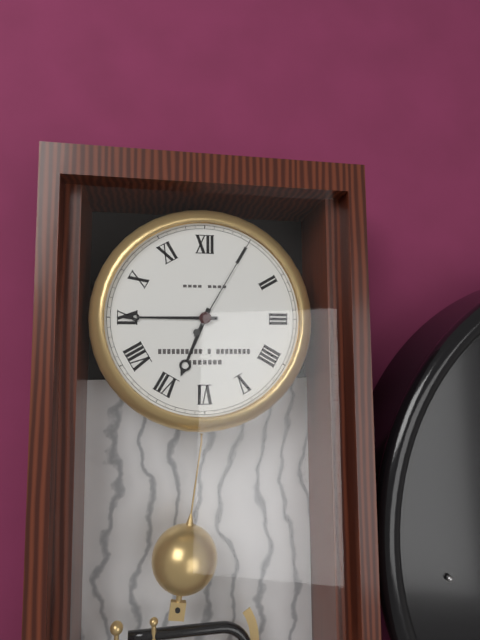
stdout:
6h45m05s
